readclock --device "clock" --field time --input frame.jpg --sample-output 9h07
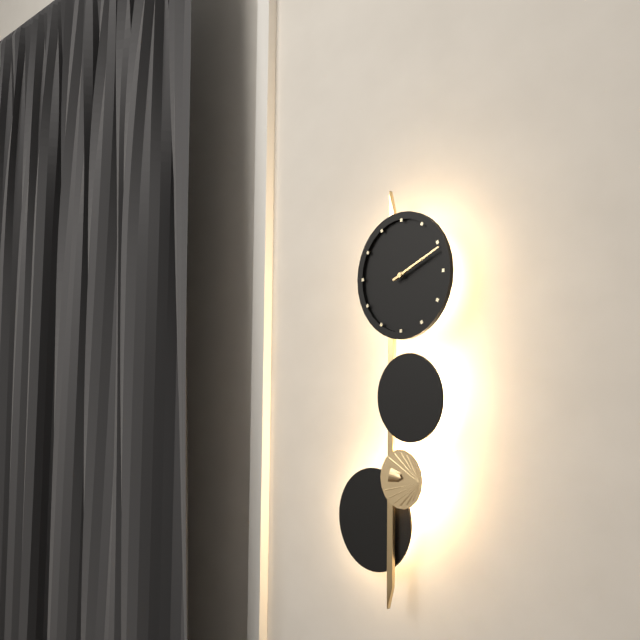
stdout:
2h11
